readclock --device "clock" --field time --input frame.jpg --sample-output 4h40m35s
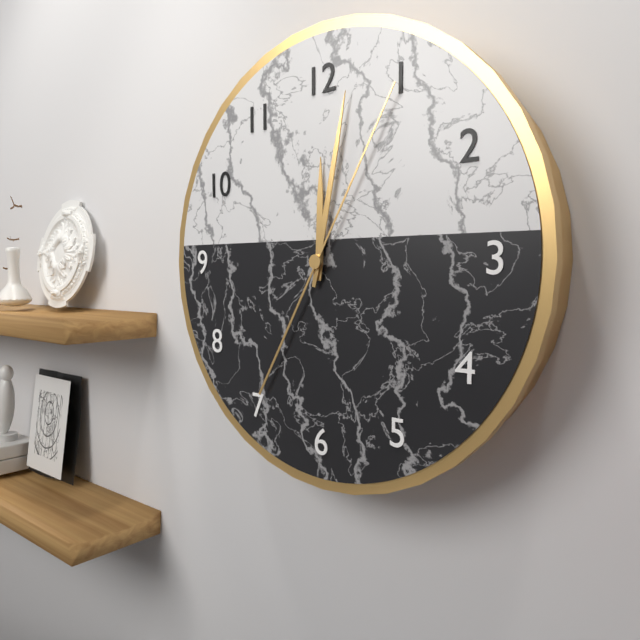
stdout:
12h02m05s
